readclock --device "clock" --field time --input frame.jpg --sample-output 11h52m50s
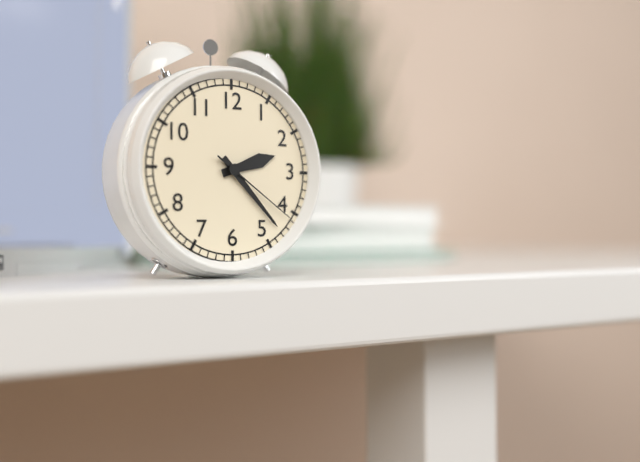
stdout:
2h23m21s
